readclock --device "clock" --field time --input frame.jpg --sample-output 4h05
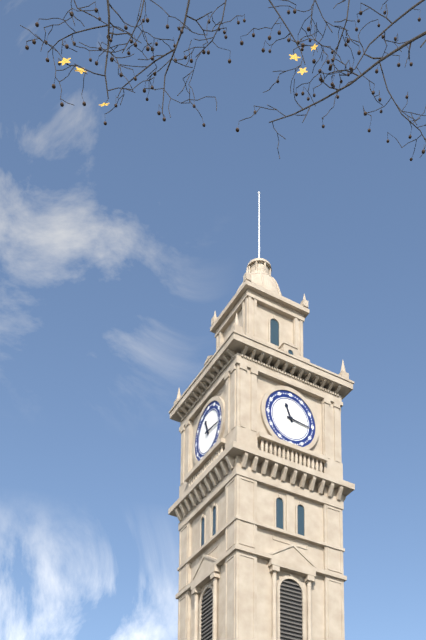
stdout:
11h16
